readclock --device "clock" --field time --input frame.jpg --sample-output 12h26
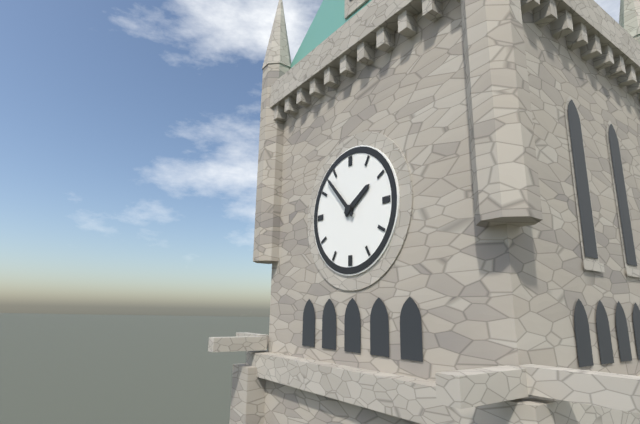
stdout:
1h53
